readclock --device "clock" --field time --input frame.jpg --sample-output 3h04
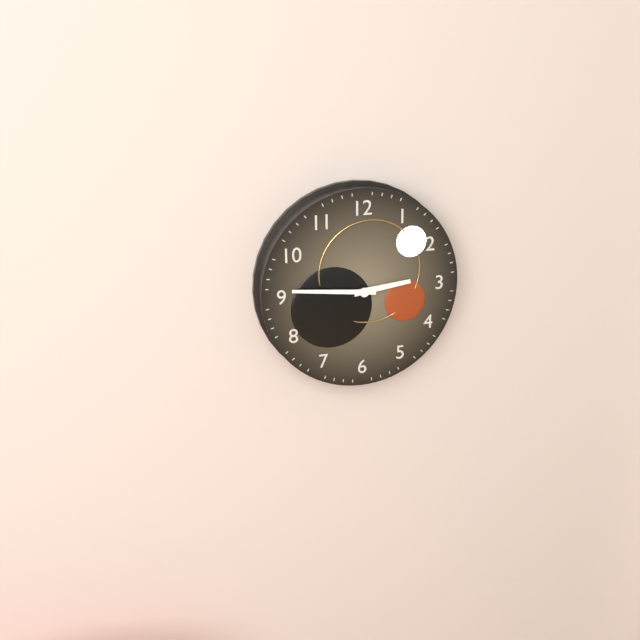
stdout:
2h46
